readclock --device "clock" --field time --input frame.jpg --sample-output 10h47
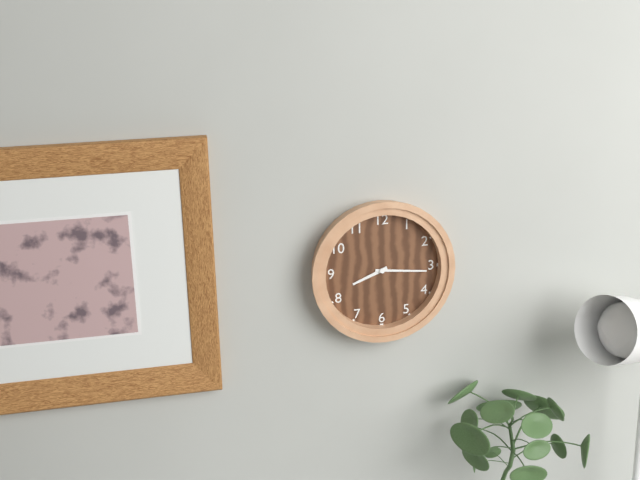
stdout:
8h16
